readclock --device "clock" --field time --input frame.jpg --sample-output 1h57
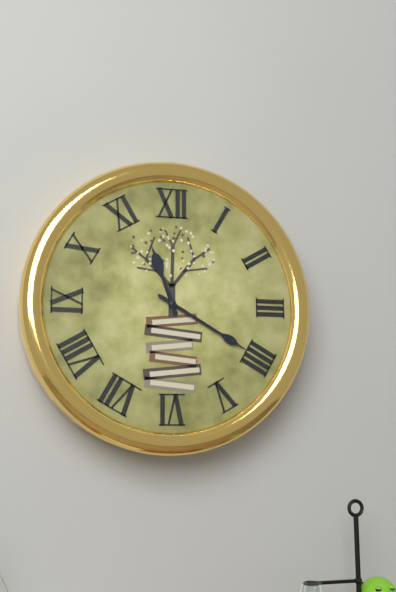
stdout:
11h20
